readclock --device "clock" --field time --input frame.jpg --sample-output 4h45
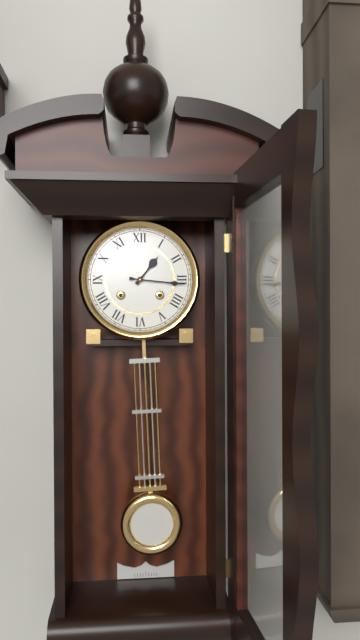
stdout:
1h16
